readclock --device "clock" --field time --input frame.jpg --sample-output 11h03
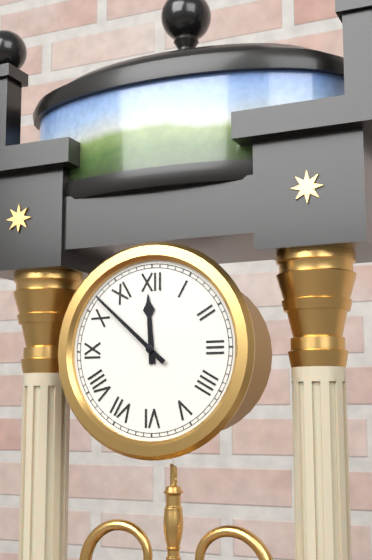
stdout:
11h52
